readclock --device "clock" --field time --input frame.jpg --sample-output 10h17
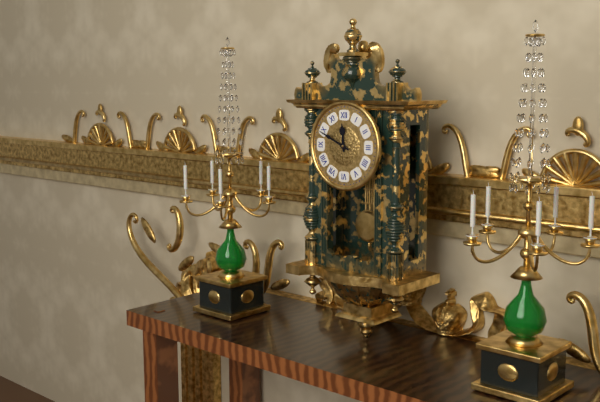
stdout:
11h49
